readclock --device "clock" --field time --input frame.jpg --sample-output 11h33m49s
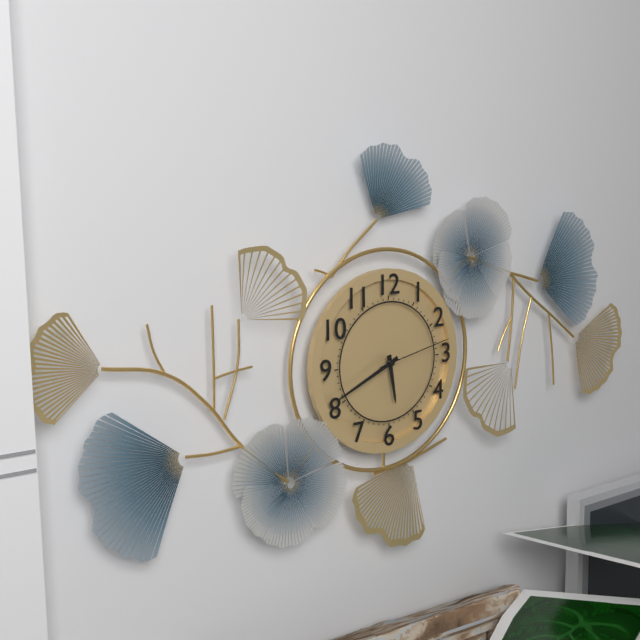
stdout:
5h41m13s
